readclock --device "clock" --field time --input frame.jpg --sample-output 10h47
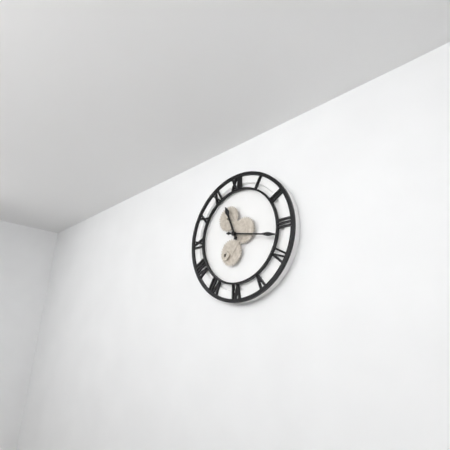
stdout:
11h17
